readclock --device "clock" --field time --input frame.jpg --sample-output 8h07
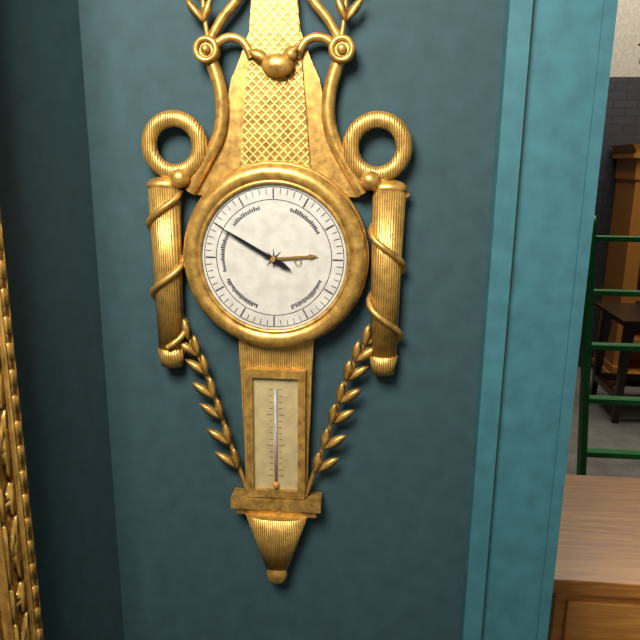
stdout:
2h50
